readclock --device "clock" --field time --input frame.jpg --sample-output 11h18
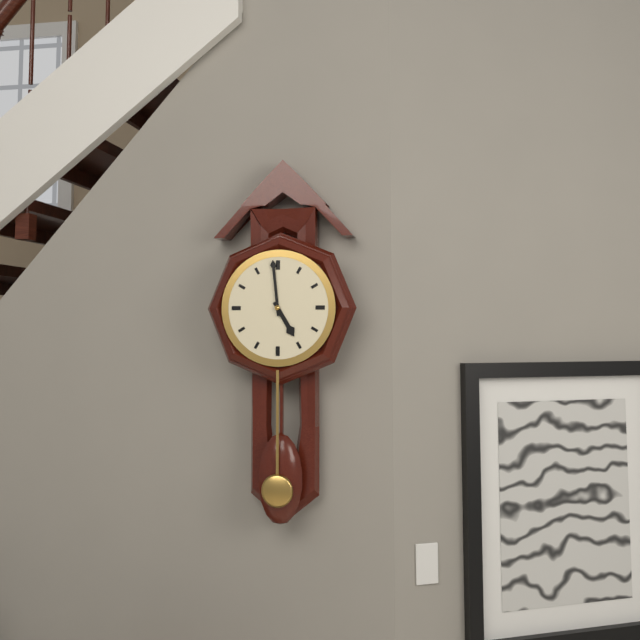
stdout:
4h59
